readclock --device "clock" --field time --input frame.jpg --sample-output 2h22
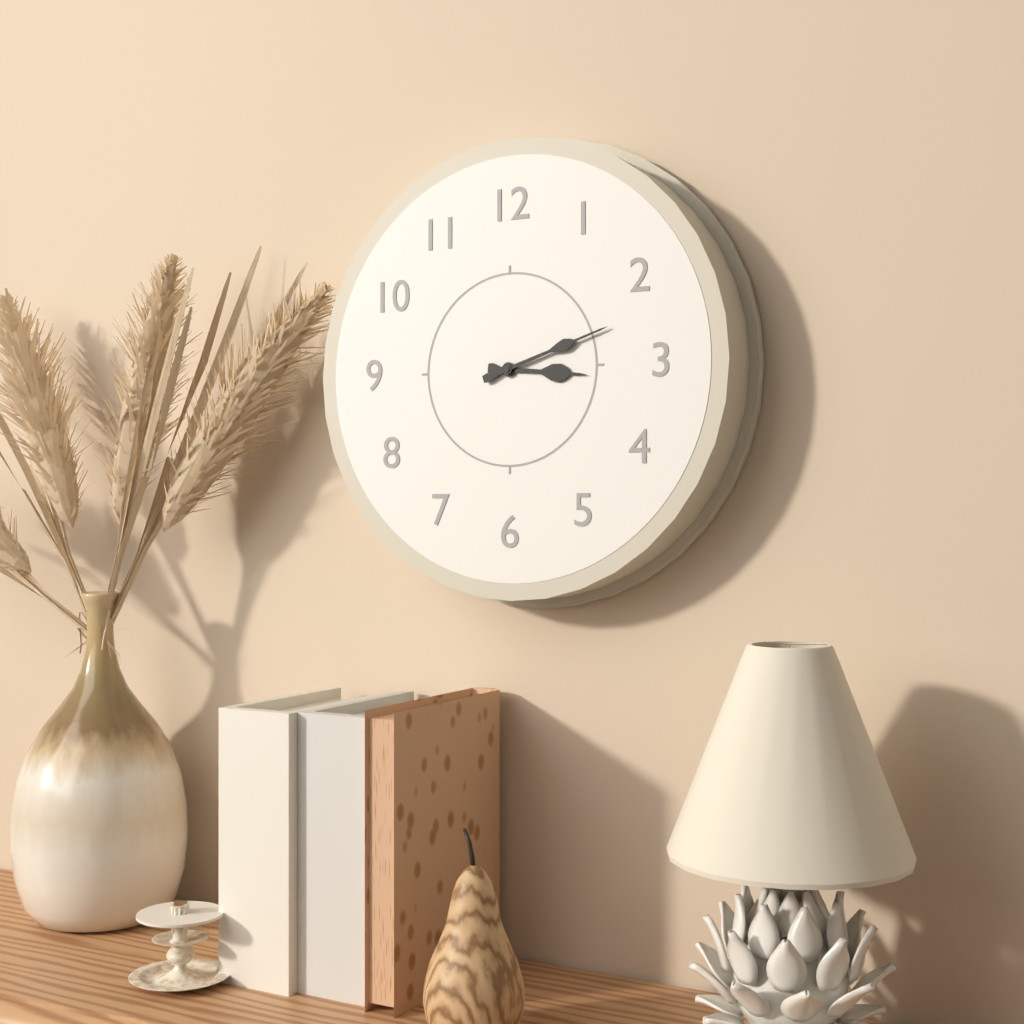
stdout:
3h12
